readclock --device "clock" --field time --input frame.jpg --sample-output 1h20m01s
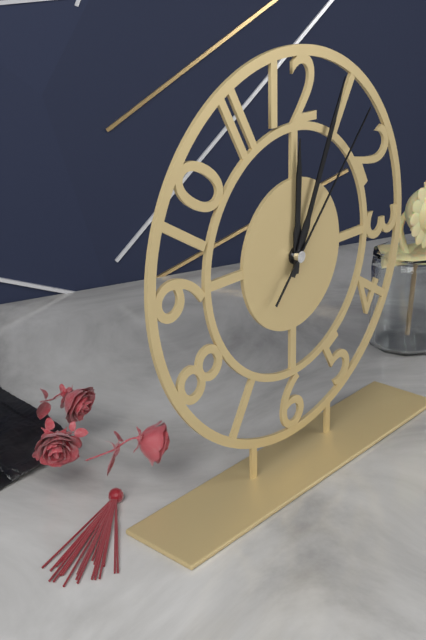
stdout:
12h04m07s
